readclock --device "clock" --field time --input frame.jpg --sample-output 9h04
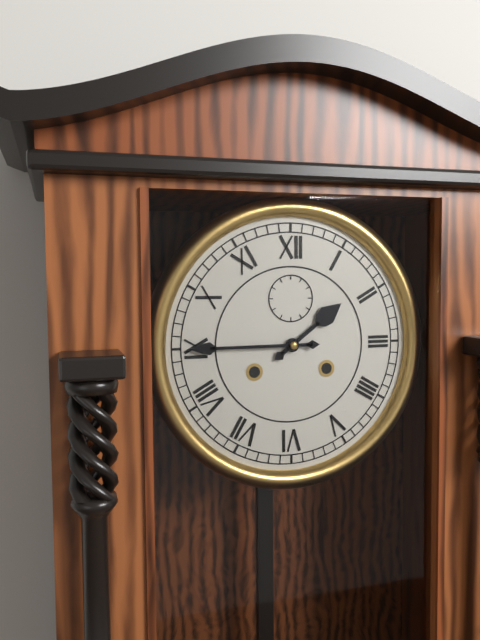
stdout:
1h45
